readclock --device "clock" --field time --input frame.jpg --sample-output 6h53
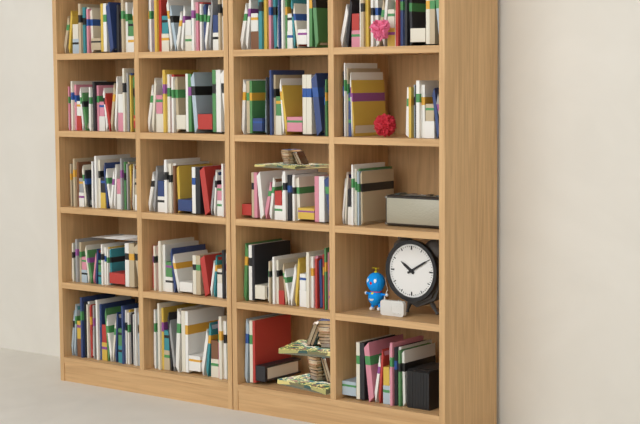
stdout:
10h10
